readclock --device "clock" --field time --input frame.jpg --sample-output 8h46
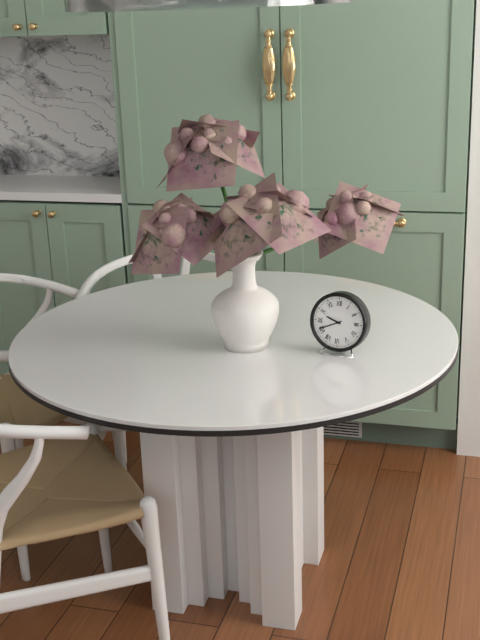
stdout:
9h41
